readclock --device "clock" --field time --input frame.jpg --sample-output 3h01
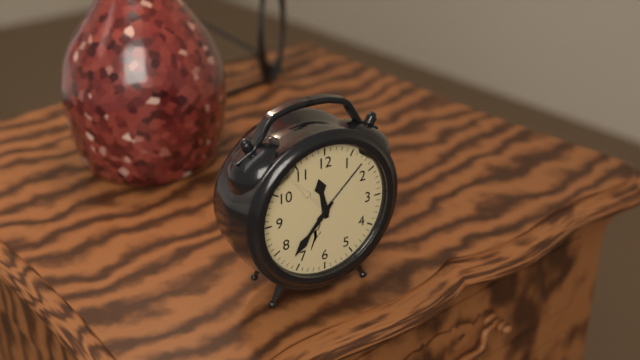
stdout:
11h37
